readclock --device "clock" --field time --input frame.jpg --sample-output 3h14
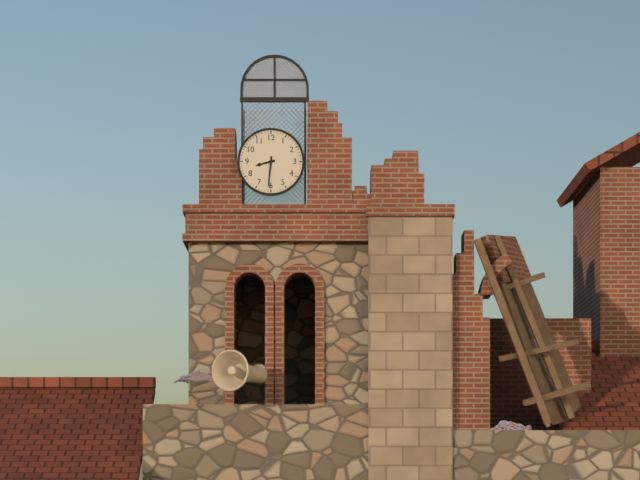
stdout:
8h31
